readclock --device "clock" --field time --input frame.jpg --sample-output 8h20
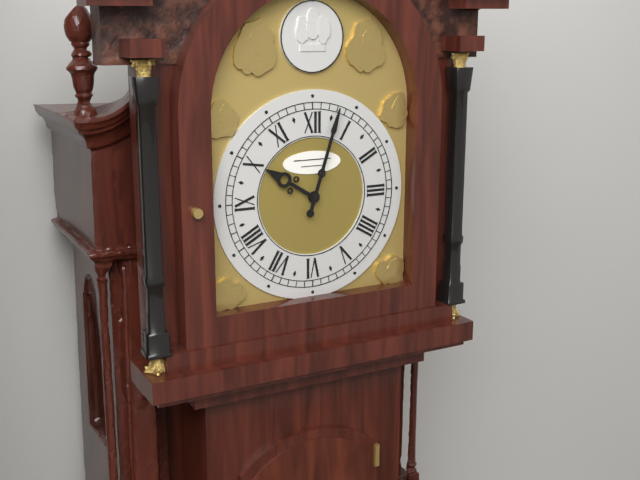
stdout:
10h03
